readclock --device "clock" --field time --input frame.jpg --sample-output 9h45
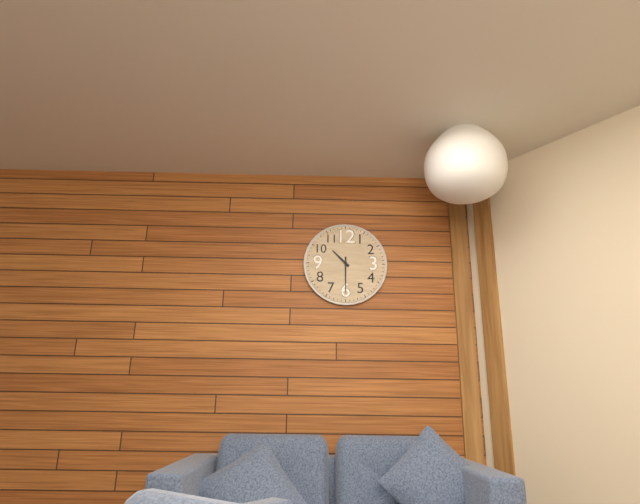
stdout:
10h30
